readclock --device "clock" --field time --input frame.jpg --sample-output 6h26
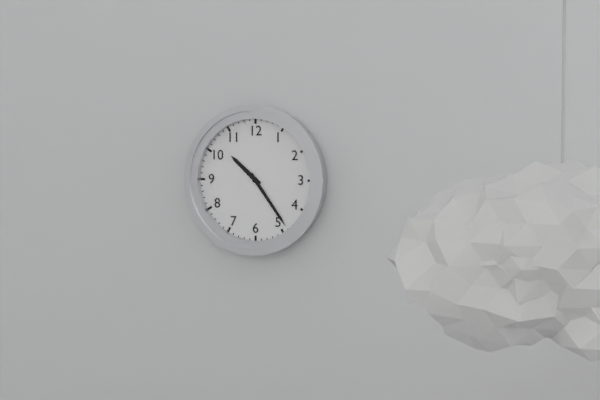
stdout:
10h24
